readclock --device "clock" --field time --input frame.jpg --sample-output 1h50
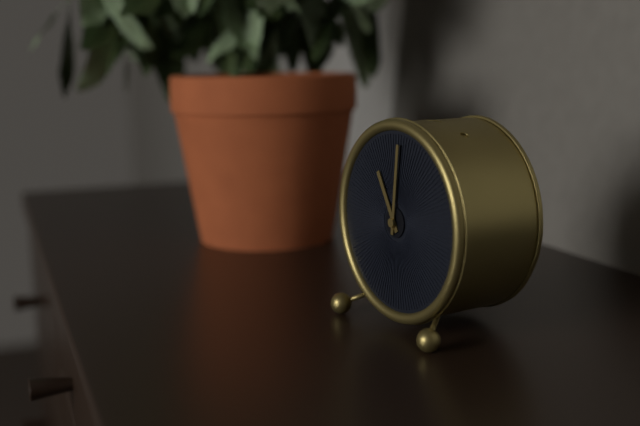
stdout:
11h01
